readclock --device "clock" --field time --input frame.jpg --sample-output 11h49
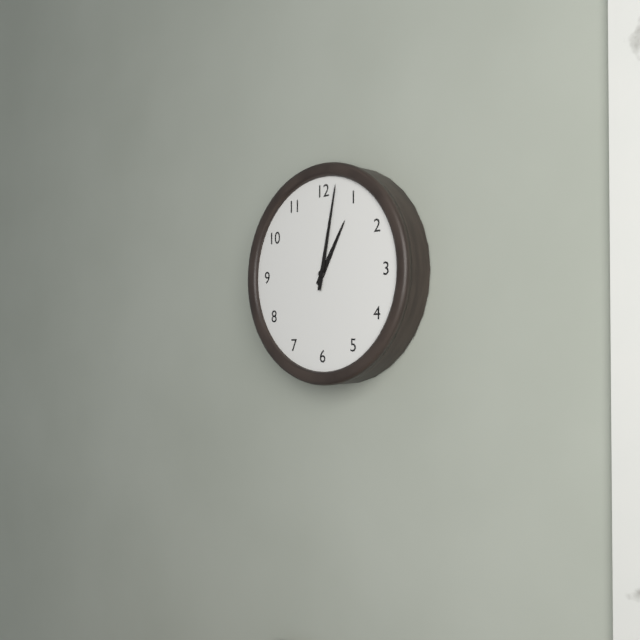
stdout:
1h02
